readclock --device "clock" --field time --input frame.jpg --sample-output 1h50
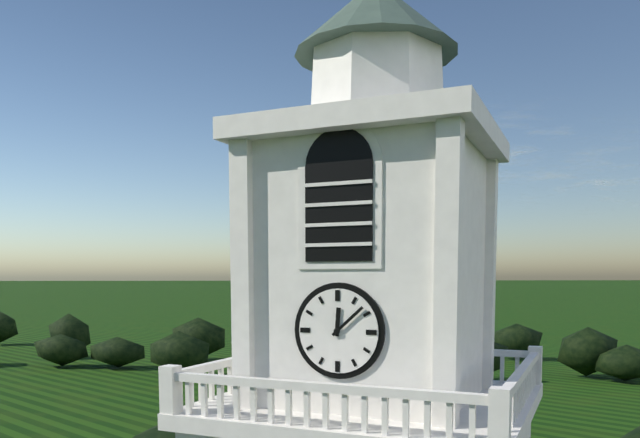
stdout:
12h08
